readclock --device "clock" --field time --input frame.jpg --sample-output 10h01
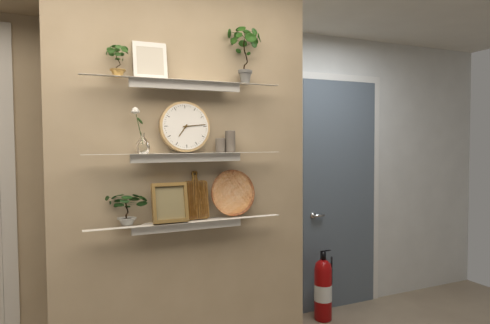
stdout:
7h14
